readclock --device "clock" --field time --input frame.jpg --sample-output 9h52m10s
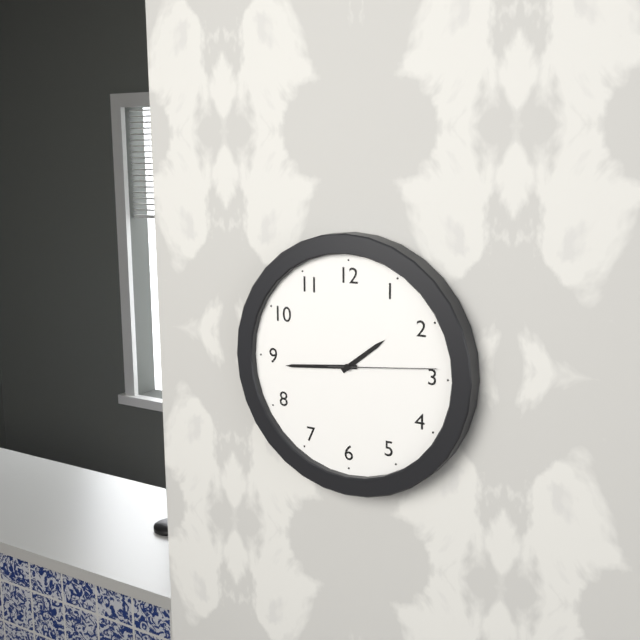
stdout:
1h44m14s
